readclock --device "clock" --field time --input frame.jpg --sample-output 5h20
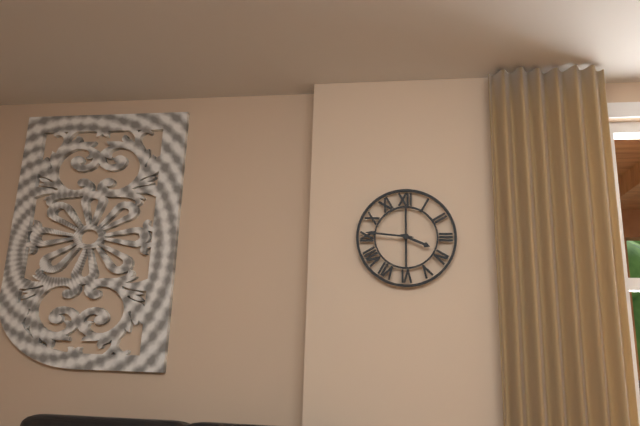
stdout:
3h46
